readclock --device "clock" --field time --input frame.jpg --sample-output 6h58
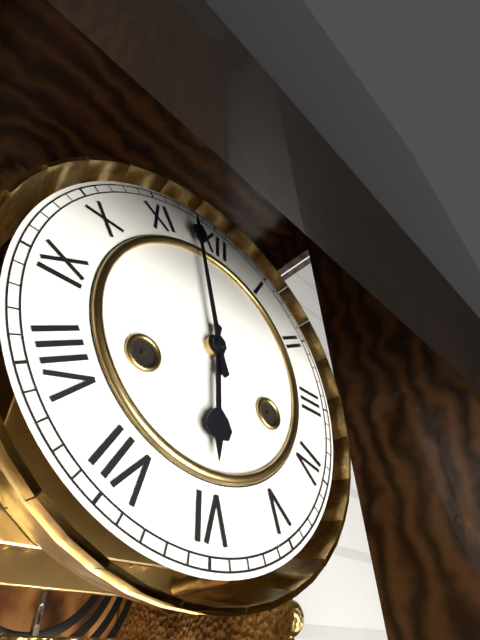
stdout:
5h58
